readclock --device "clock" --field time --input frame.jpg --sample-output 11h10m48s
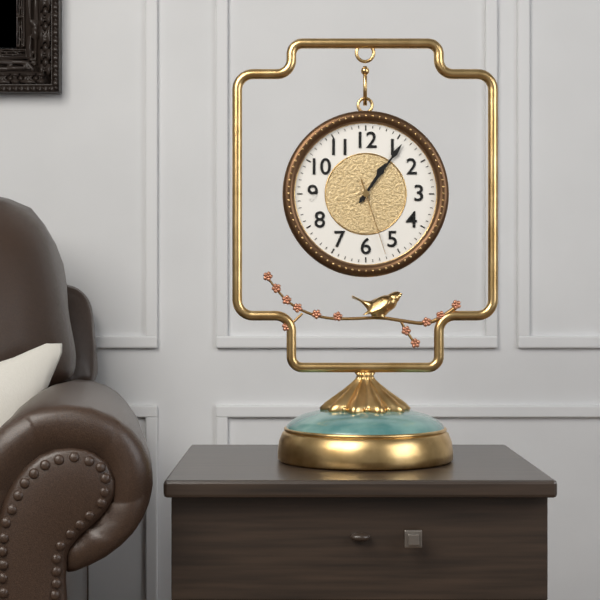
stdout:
1h06m27s
